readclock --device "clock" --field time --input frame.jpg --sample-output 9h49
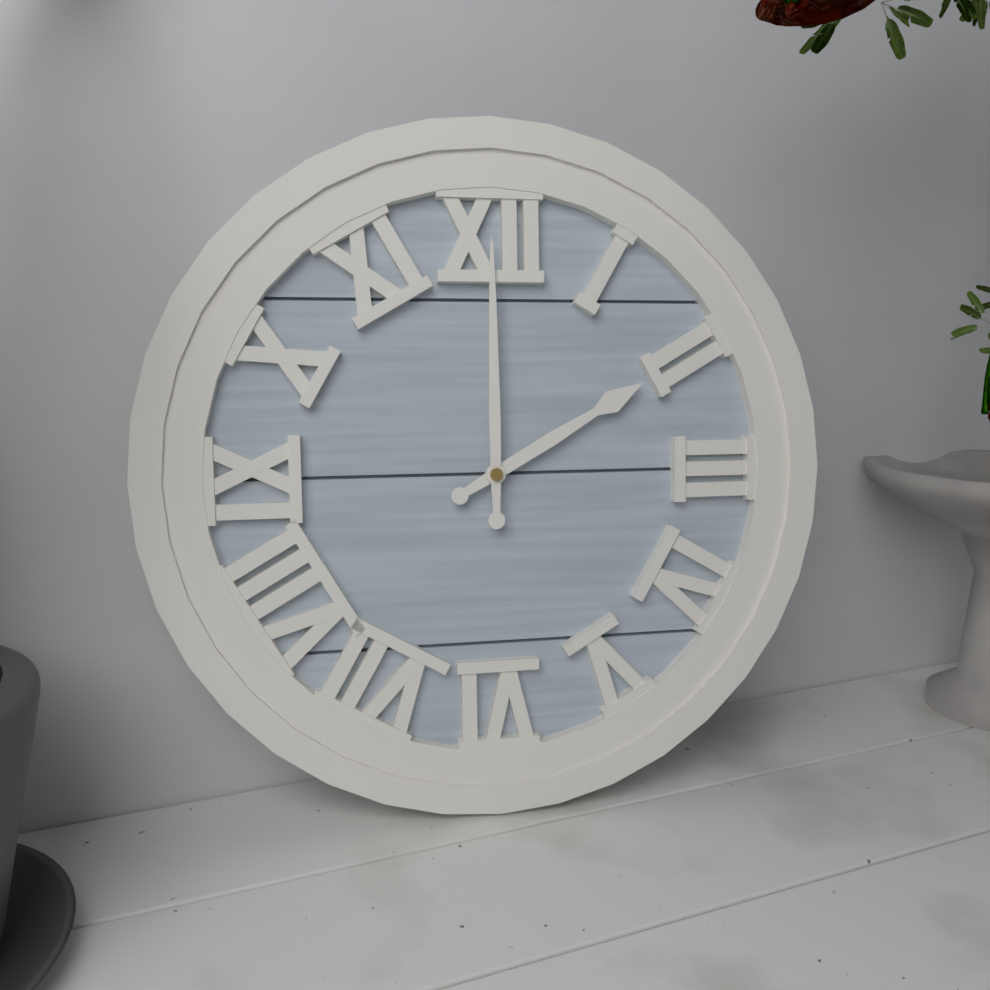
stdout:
2h00
